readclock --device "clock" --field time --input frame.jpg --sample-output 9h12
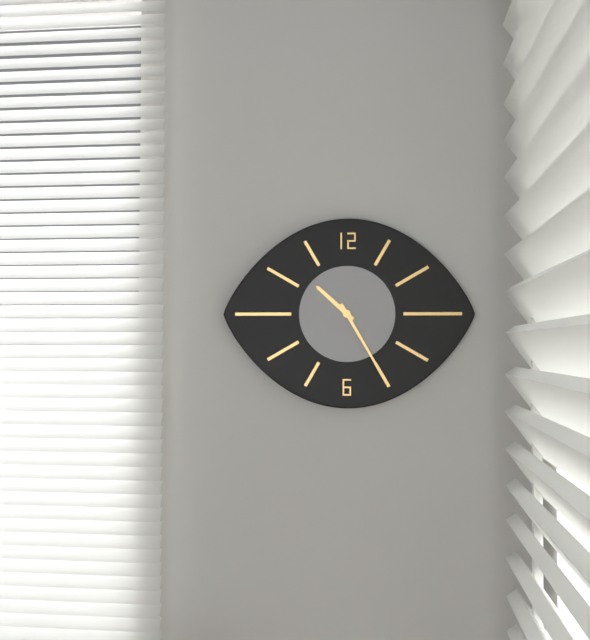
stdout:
10h25
